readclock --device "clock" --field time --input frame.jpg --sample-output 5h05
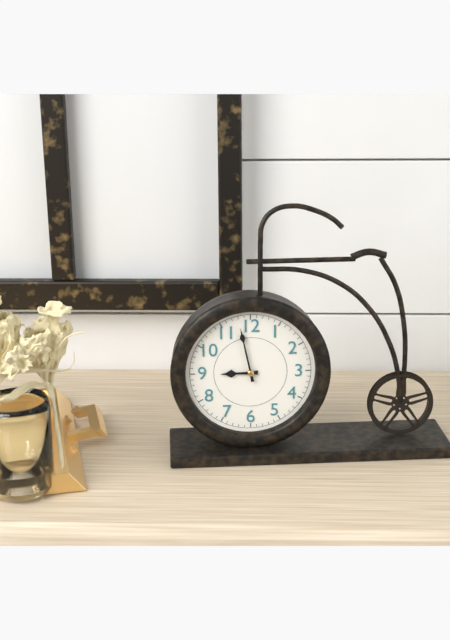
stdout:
8h58
